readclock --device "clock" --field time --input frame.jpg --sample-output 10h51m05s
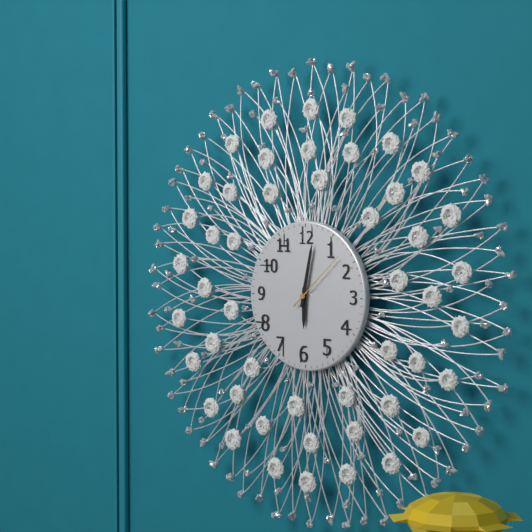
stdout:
6h02m08s
